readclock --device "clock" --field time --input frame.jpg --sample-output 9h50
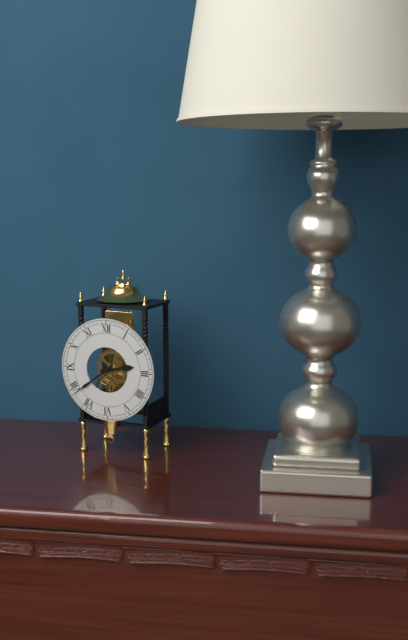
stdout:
2h39
